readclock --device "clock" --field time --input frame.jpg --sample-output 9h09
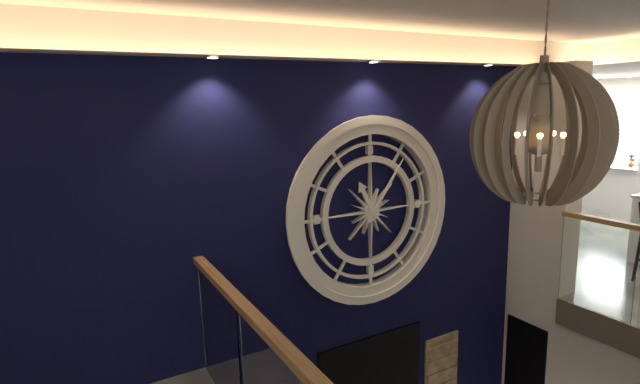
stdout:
11h06
